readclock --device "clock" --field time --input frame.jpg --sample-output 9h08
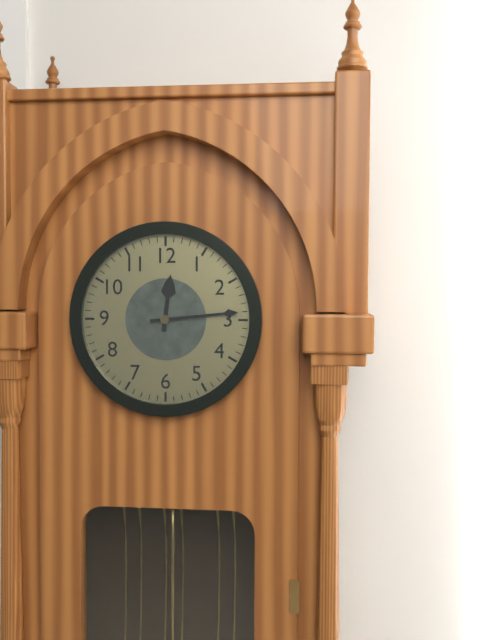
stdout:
12h14
